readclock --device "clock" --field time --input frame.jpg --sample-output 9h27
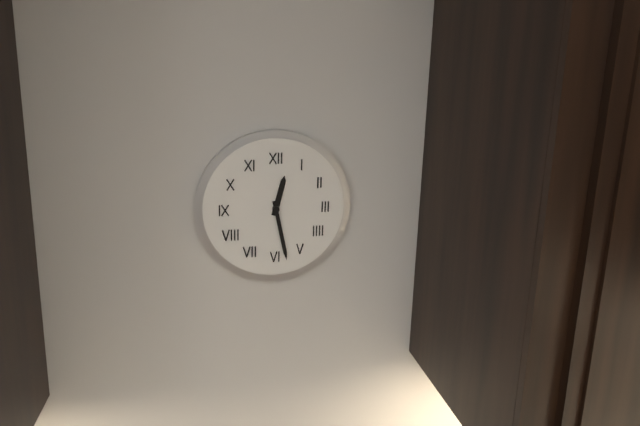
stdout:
12h28
